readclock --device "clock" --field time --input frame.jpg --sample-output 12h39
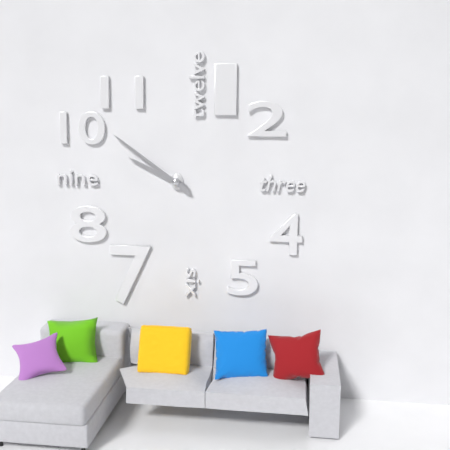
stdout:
9h51
